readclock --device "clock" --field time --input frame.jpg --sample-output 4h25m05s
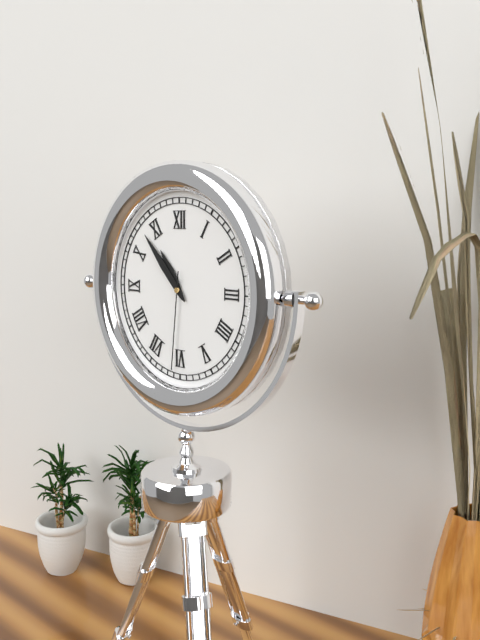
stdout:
10h53m31s
